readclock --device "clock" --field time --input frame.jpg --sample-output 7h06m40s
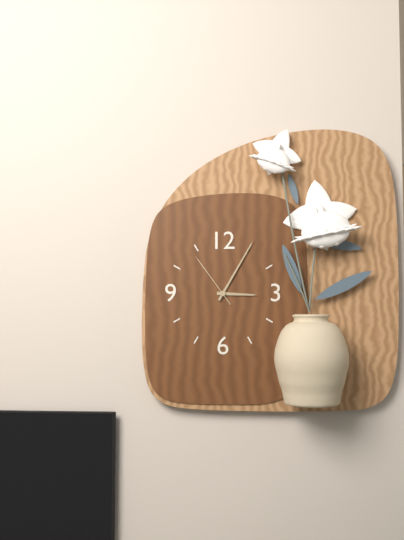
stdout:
3h05m54s
